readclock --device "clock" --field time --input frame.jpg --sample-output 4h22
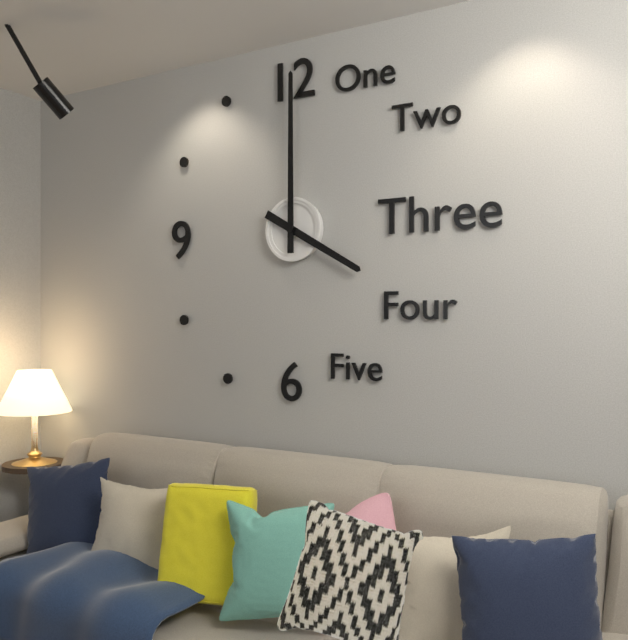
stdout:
4h00
